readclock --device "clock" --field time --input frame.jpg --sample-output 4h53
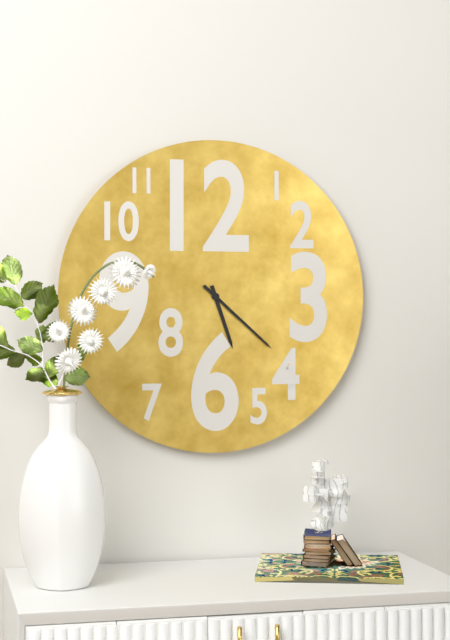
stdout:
5h22
